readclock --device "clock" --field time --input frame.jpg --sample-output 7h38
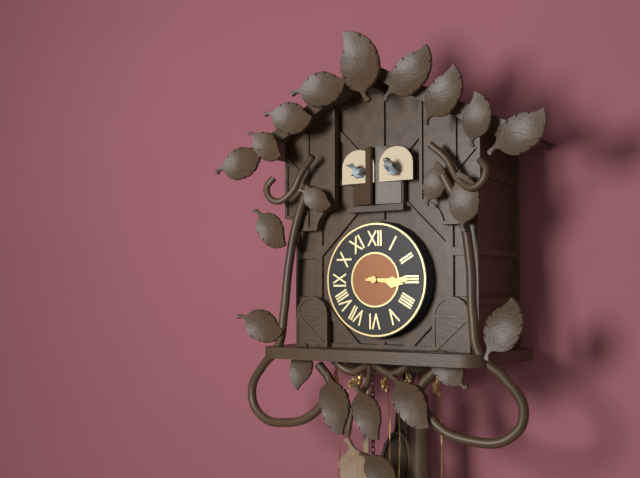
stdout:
3h15
